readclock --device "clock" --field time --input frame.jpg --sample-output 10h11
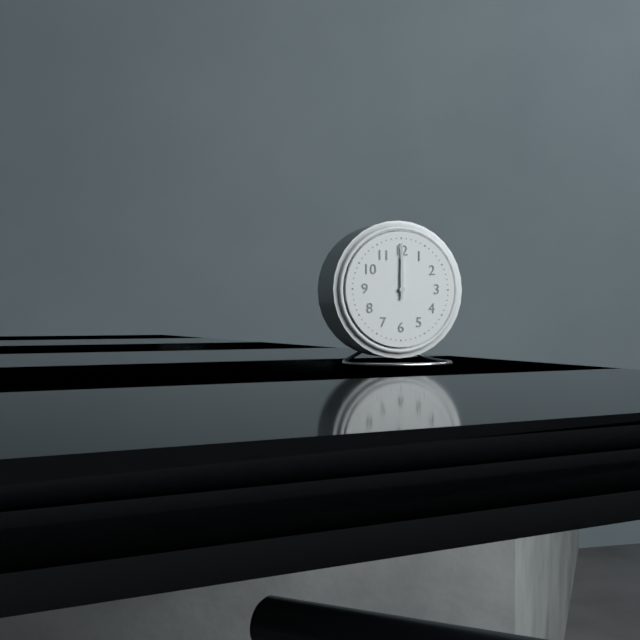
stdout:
12h00
